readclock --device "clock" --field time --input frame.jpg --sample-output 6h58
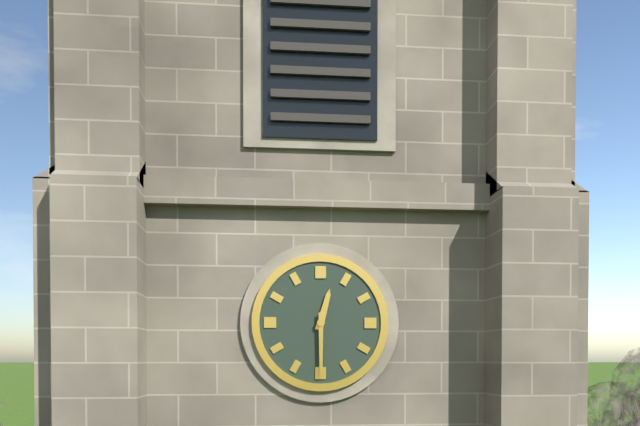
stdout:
12h30
